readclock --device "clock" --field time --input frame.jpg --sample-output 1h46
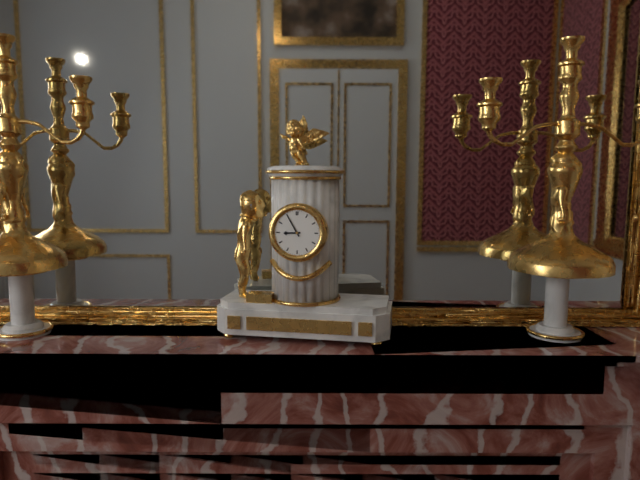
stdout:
8h55
